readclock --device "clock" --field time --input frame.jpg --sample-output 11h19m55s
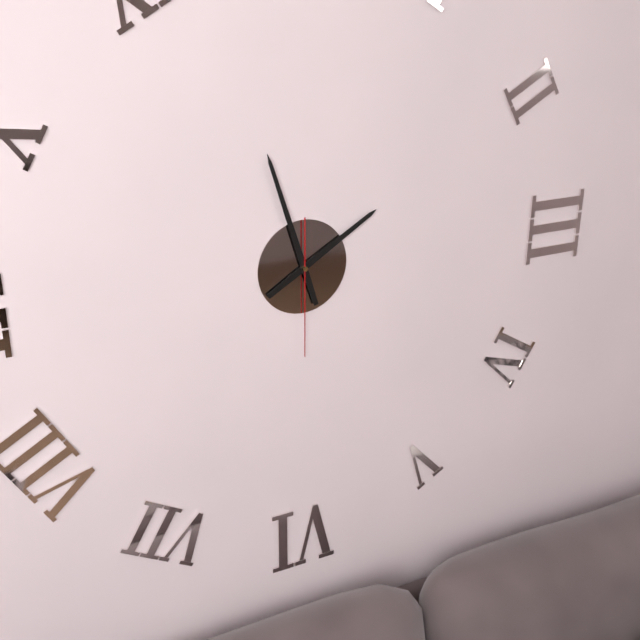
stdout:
1h57m30s
